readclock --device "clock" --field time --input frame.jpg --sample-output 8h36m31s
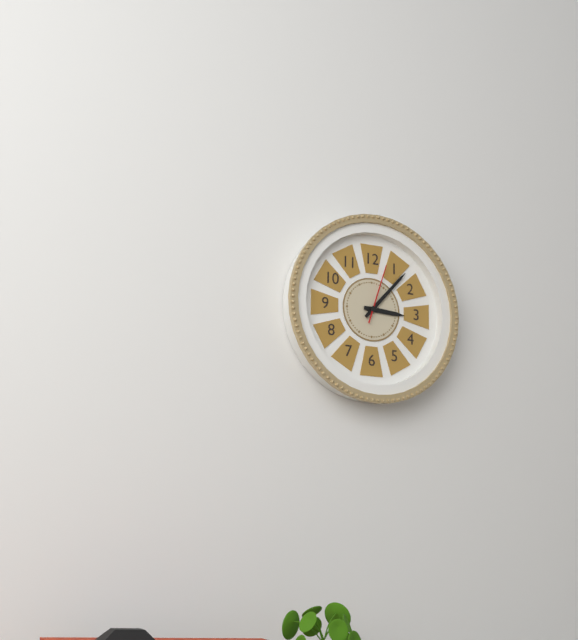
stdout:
3h07m03s
